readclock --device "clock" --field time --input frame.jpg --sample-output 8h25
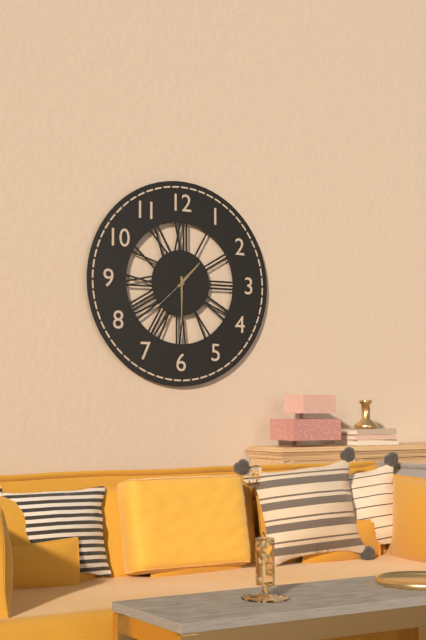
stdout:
1h30
